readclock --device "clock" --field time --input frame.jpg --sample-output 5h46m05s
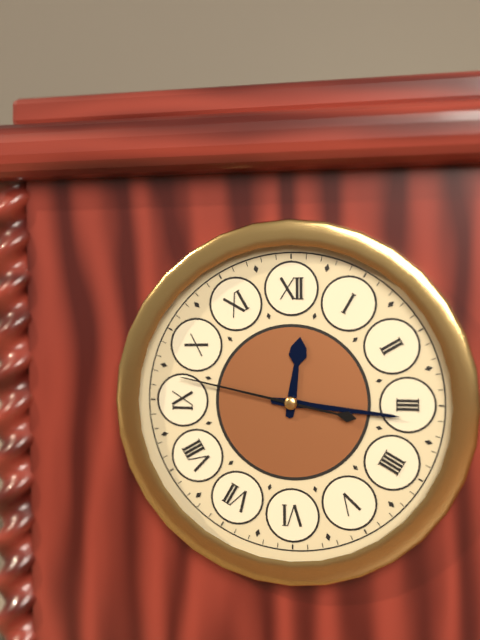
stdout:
12h16m47s
